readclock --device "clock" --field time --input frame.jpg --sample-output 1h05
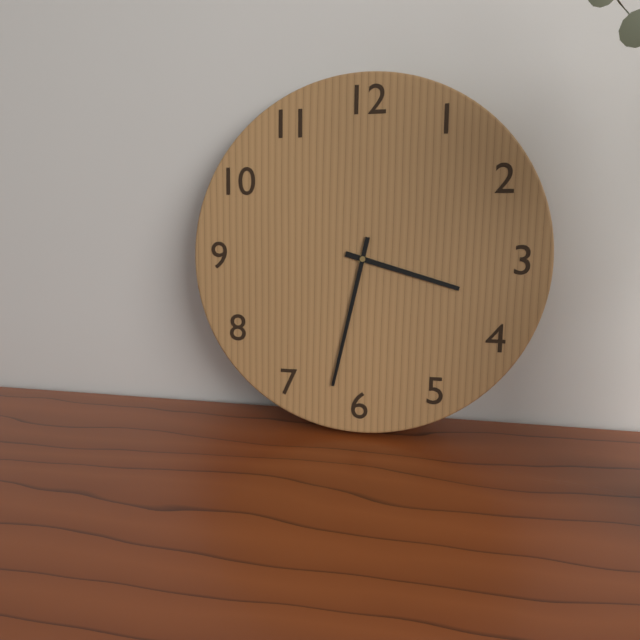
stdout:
3h32
